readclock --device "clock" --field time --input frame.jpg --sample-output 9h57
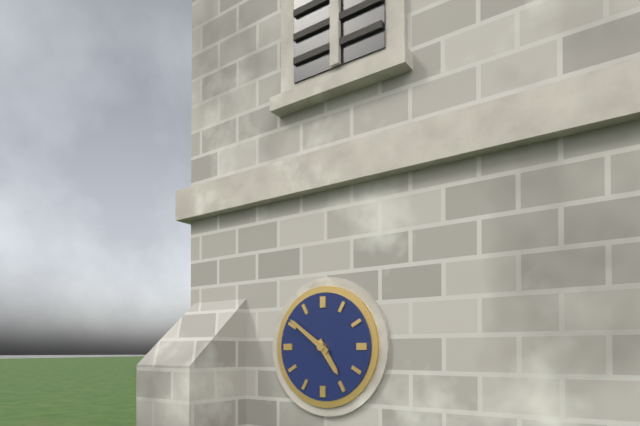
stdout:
4h51
